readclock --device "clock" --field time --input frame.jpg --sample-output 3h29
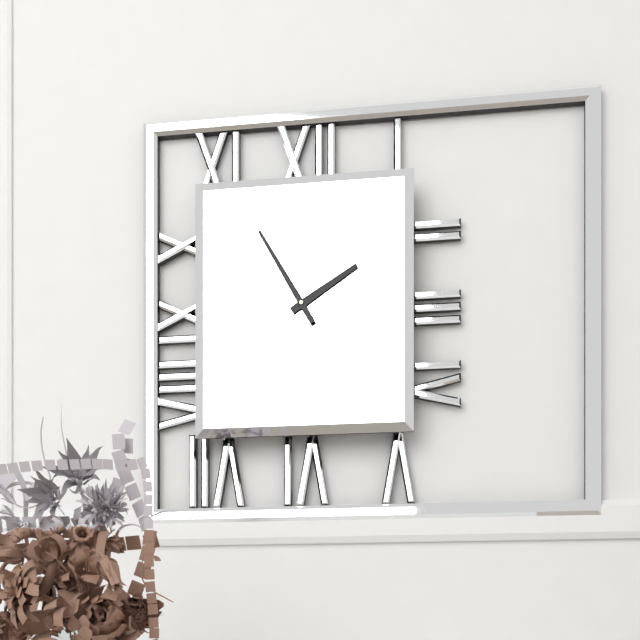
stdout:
1h55
